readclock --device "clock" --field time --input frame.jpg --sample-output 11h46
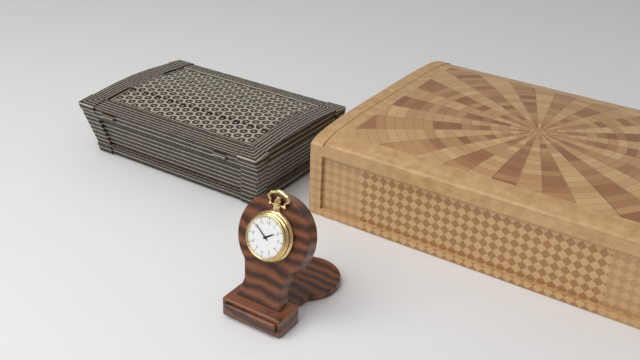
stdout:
1h51
